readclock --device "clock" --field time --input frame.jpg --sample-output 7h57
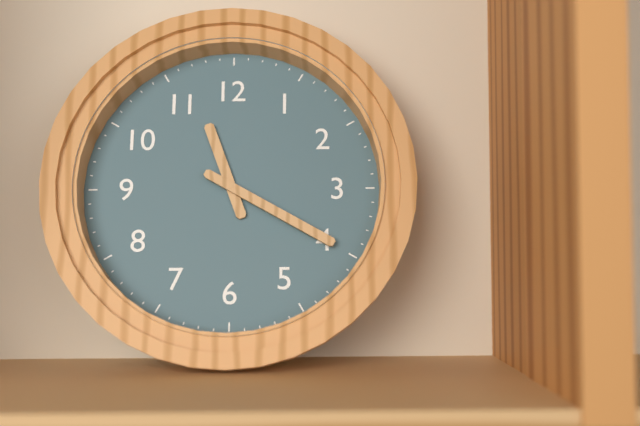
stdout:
11h20
